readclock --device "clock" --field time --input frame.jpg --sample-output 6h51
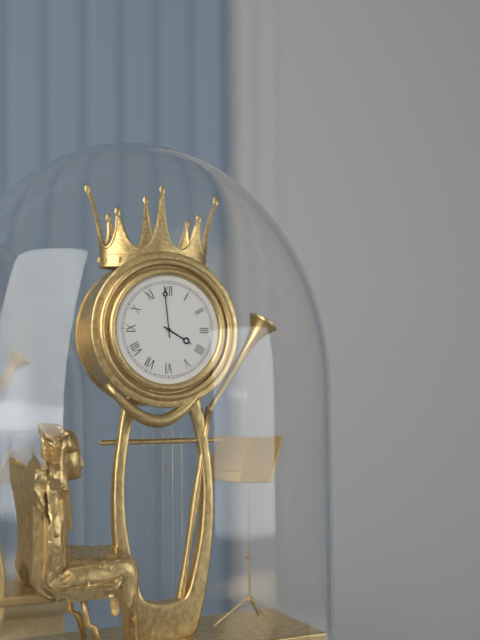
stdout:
3h59
